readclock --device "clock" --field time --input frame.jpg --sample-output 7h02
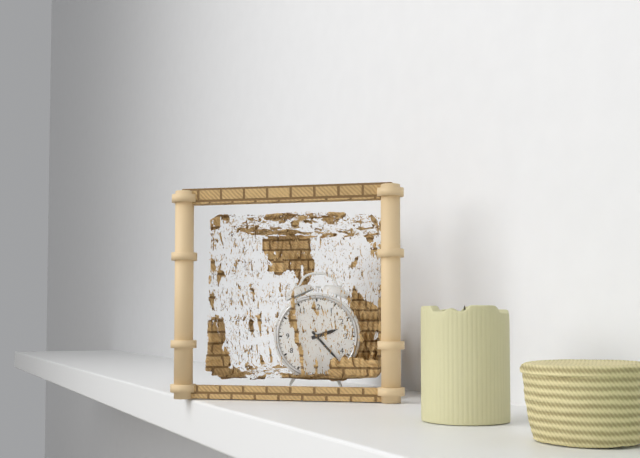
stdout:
2h23
